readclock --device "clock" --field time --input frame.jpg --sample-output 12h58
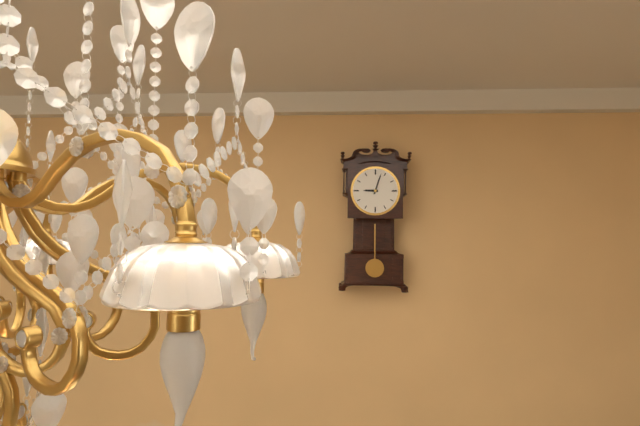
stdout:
9h03
